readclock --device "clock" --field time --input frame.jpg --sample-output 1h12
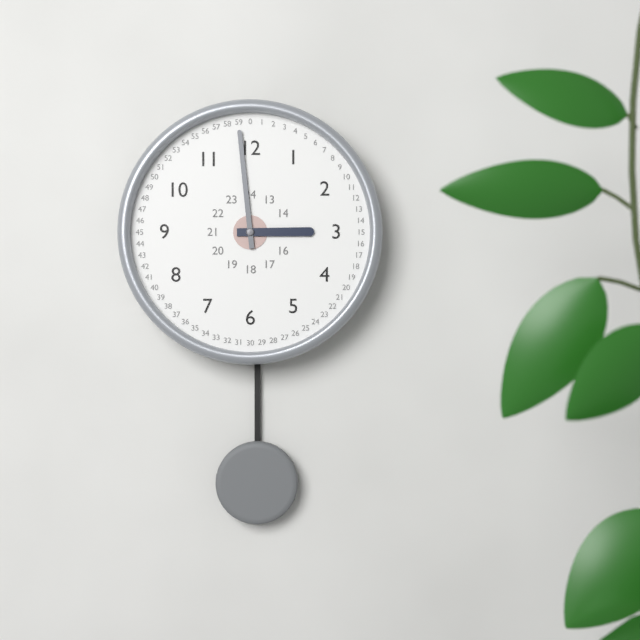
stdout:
2h59
